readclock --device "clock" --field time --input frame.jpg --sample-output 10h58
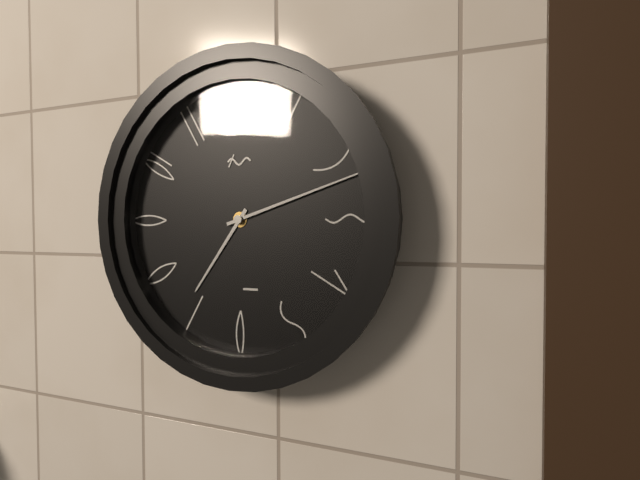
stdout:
7h12
